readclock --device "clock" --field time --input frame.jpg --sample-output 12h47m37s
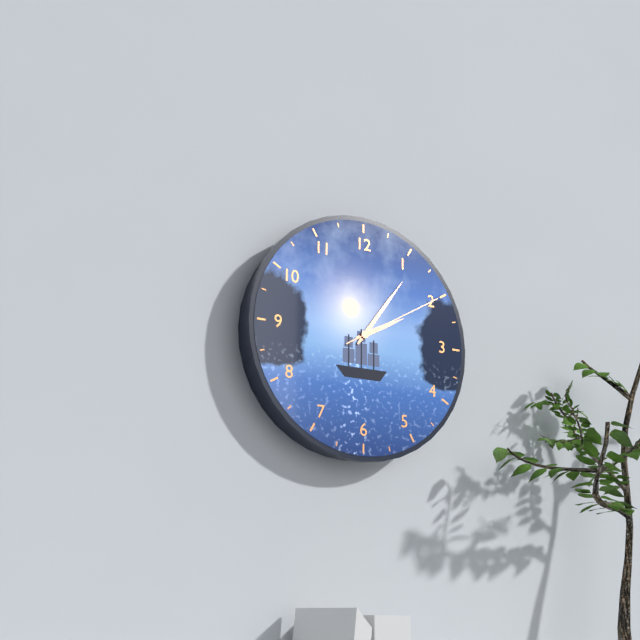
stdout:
2h06m10s
